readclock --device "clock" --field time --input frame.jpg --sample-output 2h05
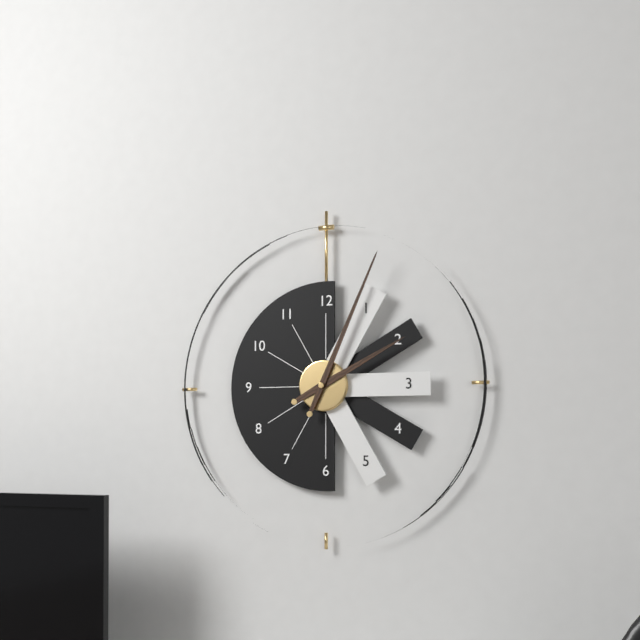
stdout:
2h04
